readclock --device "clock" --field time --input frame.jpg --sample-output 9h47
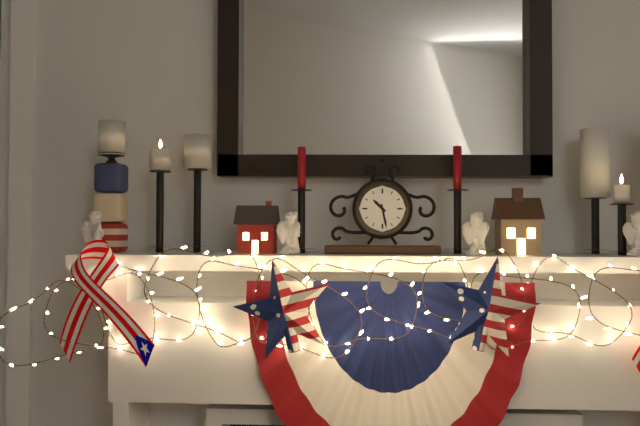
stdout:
10h28
